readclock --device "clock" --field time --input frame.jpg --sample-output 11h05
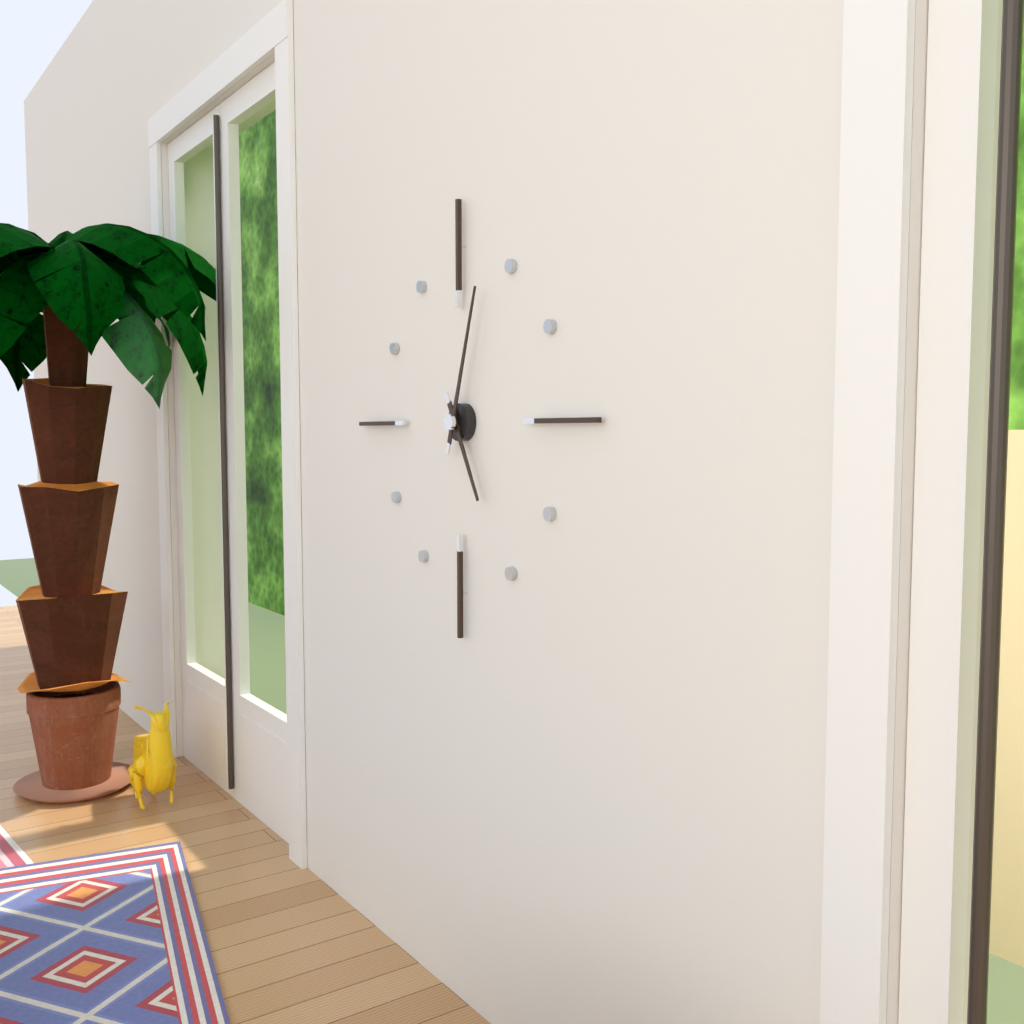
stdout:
5h03
